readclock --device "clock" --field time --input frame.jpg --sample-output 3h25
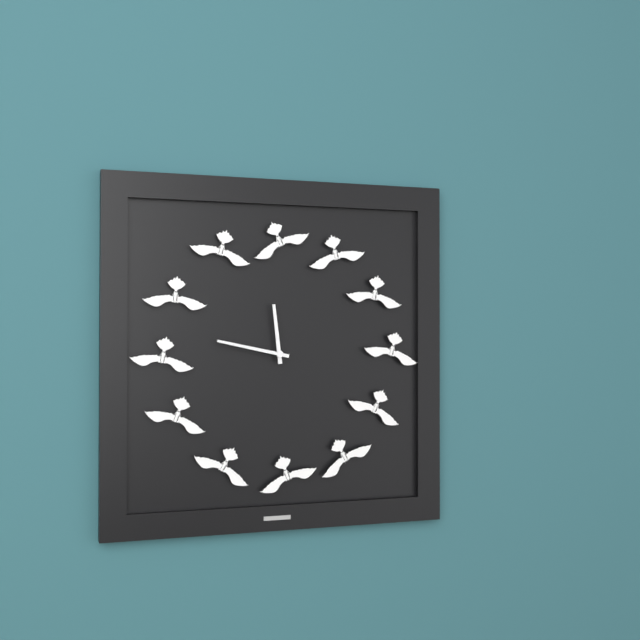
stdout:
11h47
